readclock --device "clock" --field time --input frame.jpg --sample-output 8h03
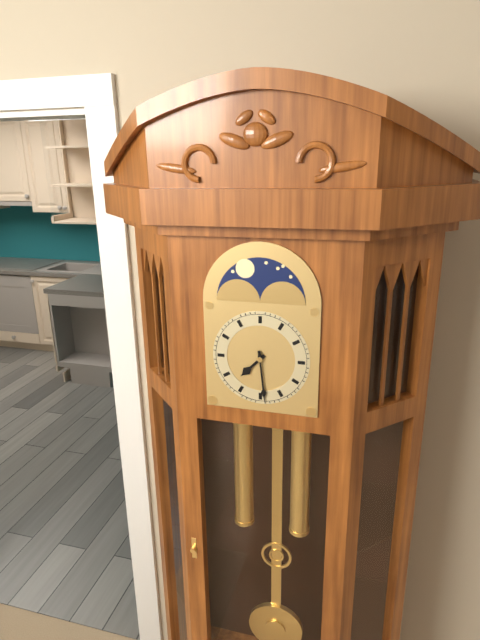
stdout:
7h29
